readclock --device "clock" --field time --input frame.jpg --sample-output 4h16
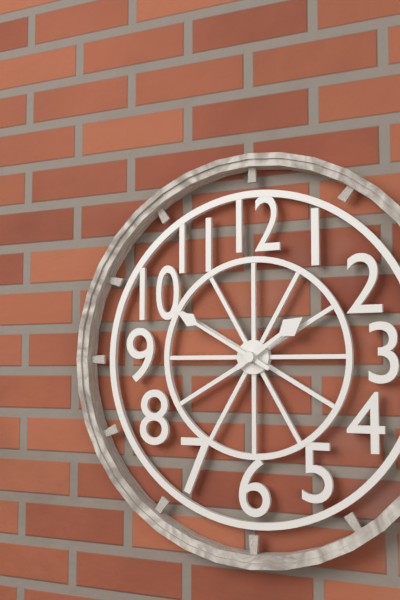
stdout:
1h50
